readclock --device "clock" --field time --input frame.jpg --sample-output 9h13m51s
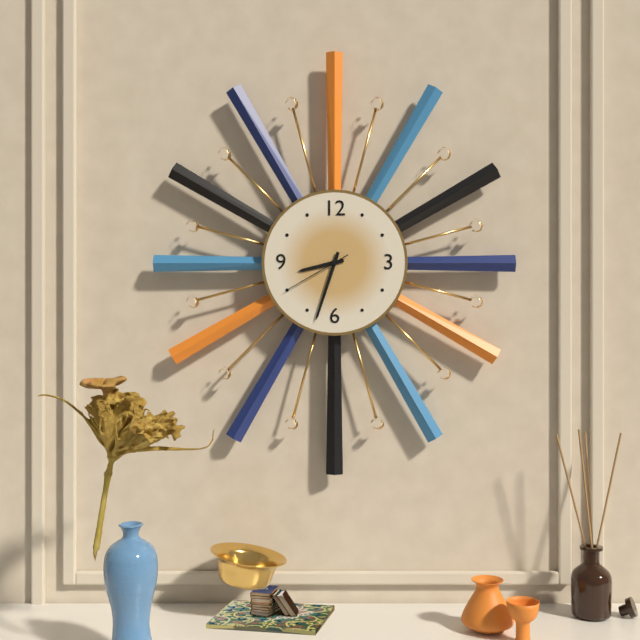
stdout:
8h33m40s
